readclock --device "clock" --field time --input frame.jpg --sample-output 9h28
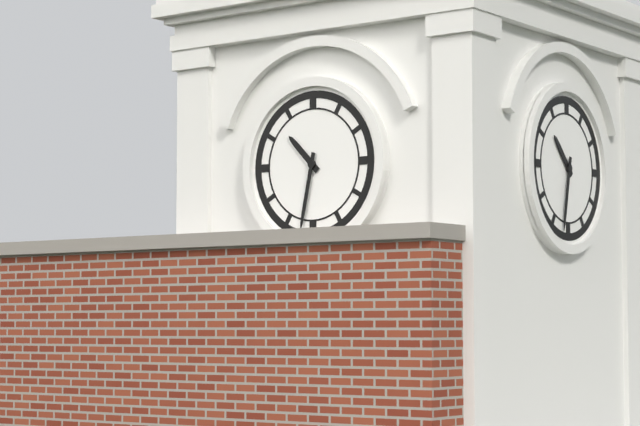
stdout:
10h32
